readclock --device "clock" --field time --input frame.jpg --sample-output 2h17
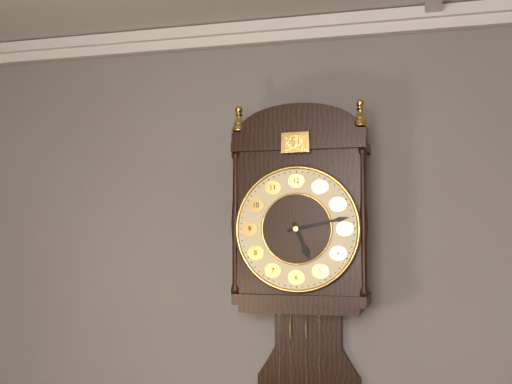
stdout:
5h13
